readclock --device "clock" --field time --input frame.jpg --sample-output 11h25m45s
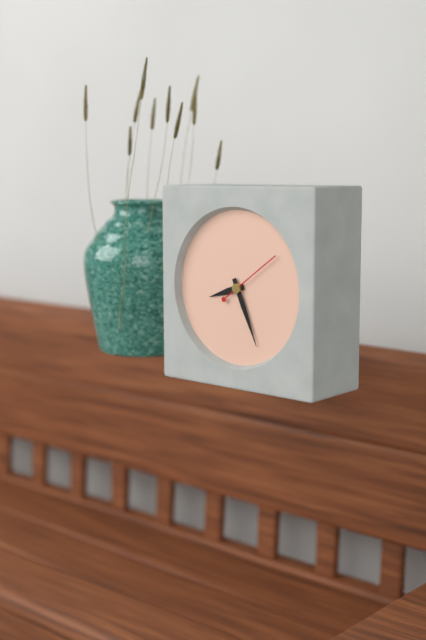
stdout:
8h26m09s
